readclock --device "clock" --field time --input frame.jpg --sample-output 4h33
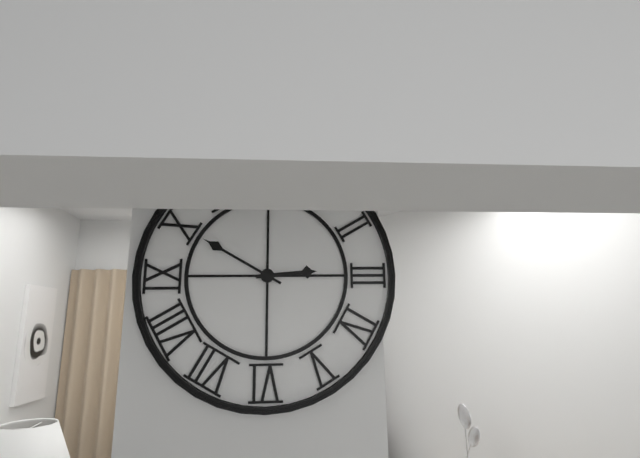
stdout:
2h50
